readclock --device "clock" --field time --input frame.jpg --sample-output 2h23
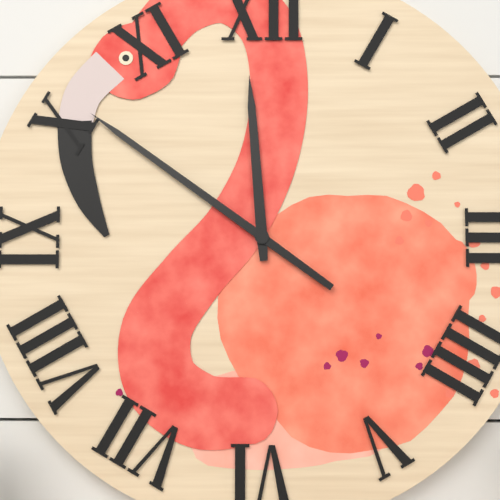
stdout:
11h51
